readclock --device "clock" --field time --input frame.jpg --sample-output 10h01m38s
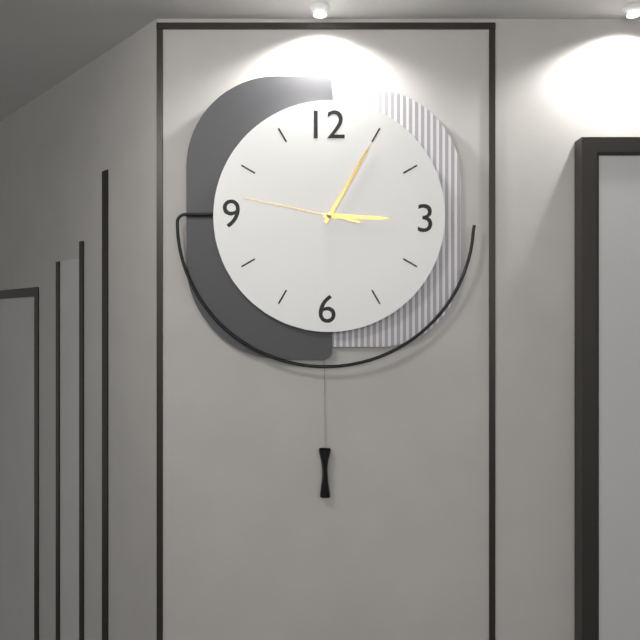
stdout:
3h05m47s
